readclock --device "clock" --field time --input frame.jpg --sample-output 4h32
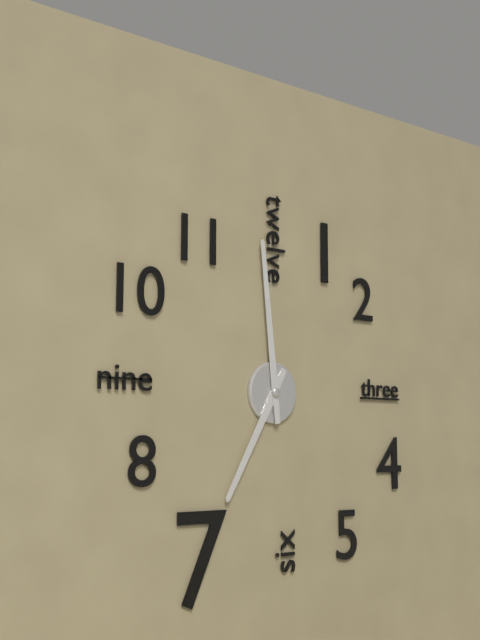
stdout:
6h59
